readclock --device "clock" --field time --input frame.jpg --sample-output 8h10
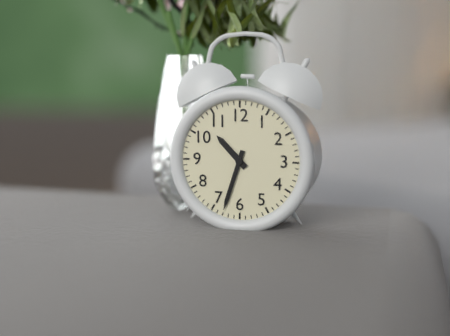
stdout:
10h33
